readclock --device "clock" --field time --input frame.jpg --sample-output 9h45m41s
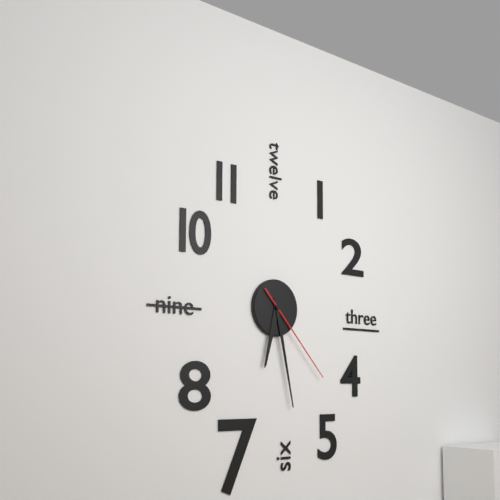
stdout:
6h28m23s
